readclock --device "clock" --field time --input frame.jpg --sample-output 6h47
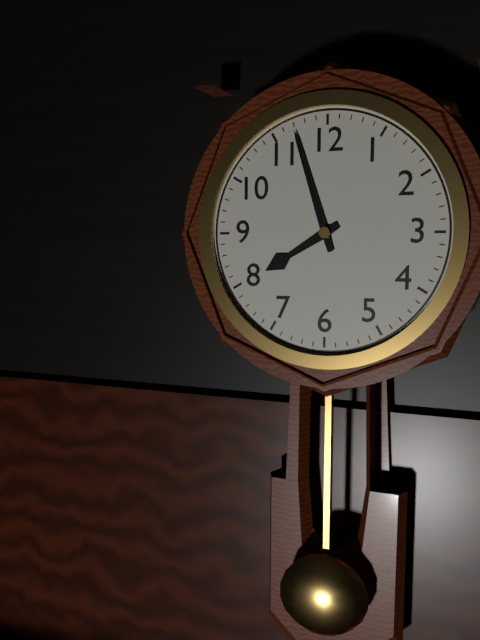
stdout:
7h57
